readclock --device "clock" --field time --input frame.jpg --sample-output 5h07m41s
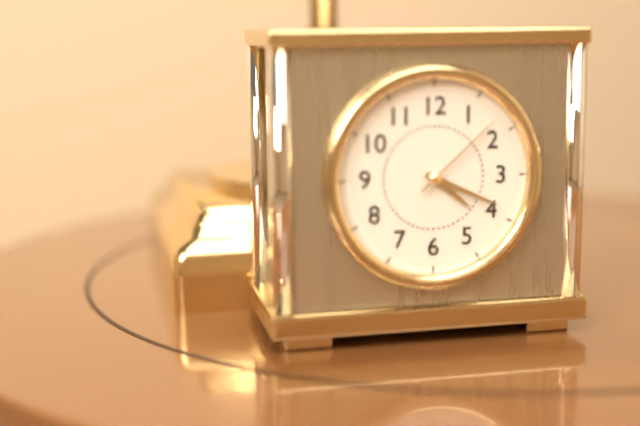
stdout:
4h19m08s
